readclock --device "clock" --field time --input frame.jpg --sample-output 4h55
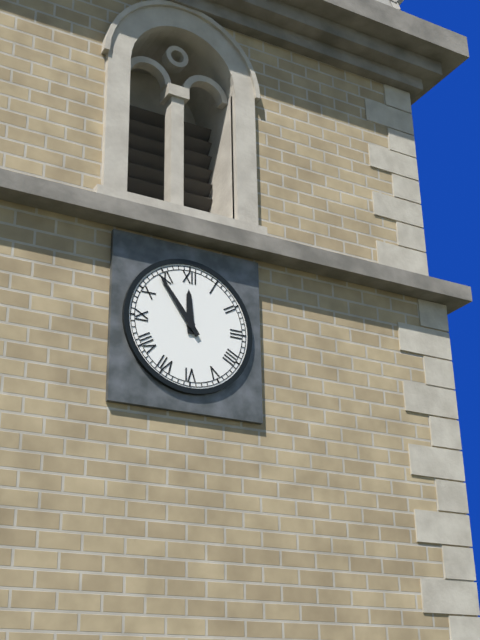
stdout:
11h54
